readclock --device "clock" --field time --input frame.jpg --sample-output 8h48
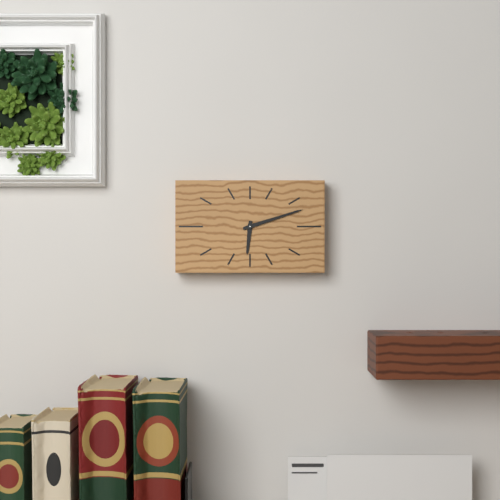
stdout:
6h12
